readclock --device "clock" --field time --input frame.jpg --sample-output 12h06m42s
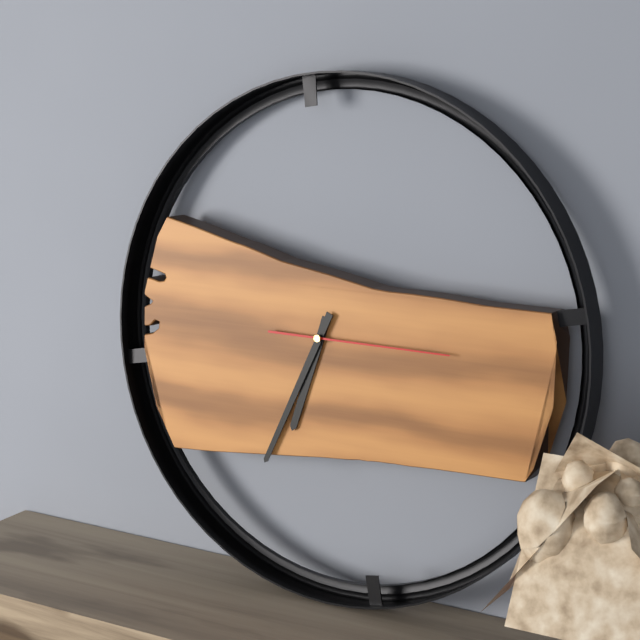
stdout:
6h34m15s
